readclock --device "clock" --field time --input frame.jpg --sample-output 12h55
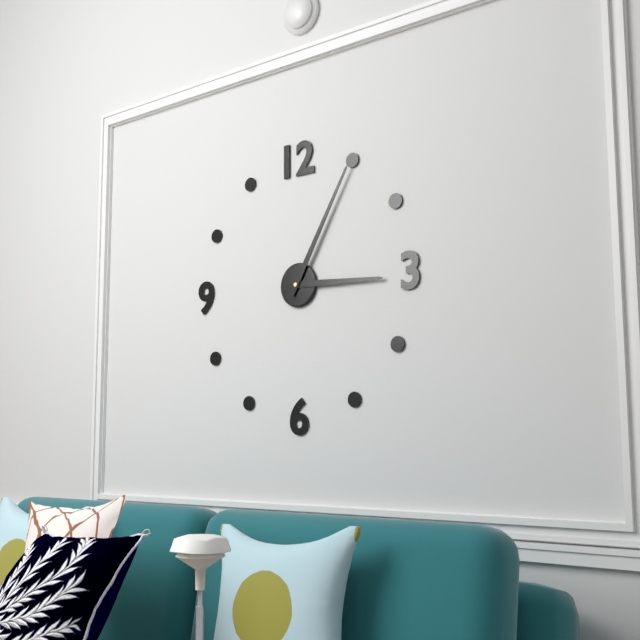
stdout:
3h05
